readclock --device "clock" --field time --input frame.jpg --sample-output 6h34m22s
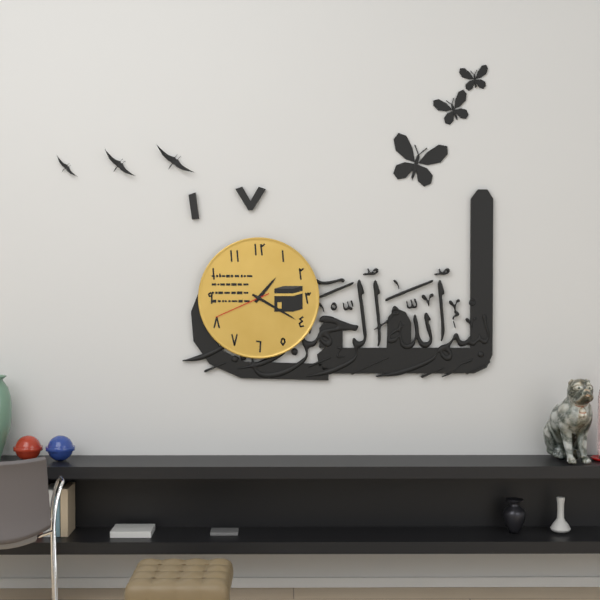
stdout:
1h20m41s
